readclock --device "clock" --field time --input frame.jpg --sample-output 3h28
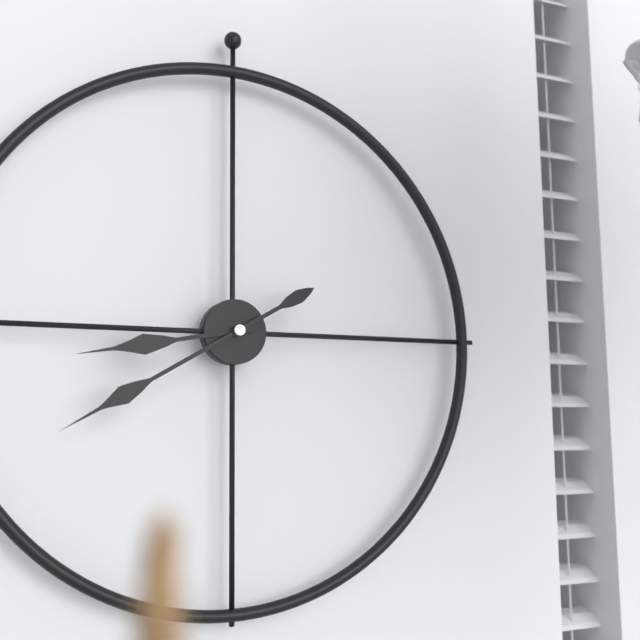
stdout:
8h40
